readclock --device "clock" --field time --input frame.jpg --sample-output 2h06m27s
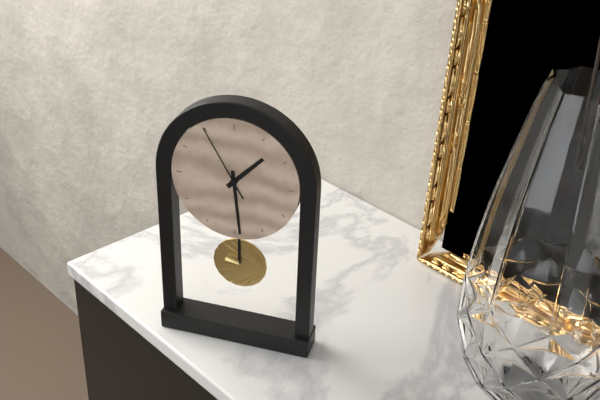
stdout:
1h29m55s
